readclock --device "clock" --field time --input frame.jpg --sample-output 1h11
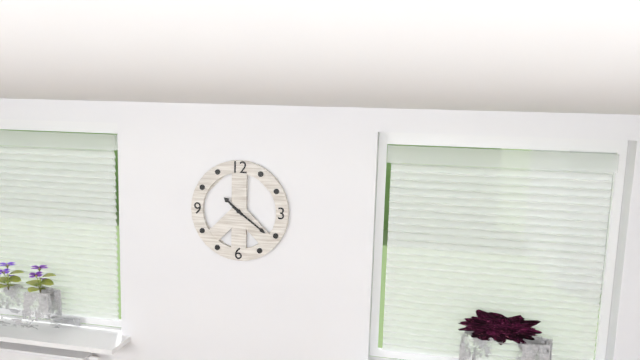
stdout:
10h21
